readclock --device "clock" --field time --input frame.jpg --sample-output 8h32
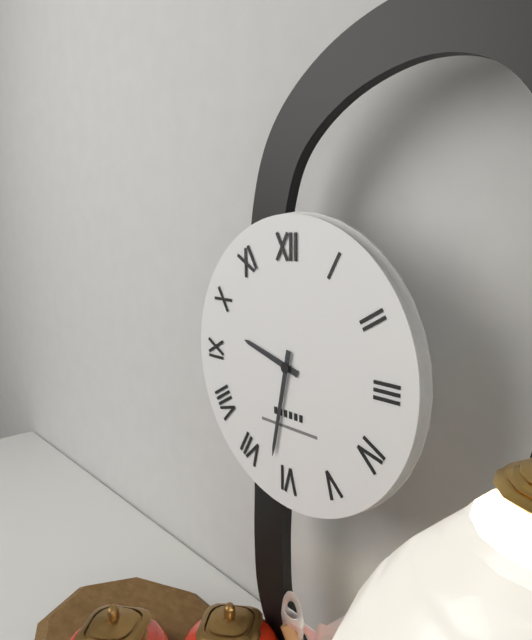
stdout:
9h32
